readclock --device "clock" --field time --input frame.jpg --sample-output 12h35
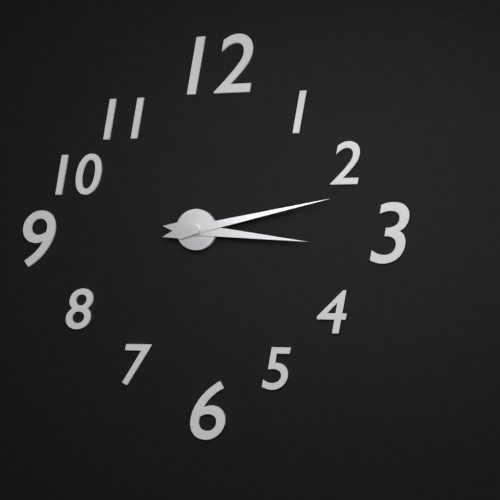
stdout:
3h13
